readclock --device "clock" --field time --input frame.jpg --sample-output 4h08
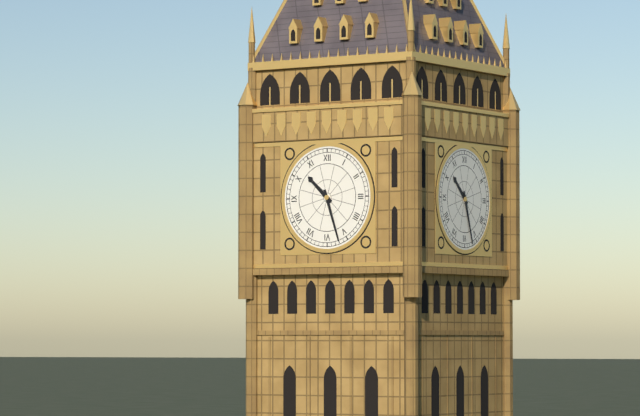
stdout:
10h27
